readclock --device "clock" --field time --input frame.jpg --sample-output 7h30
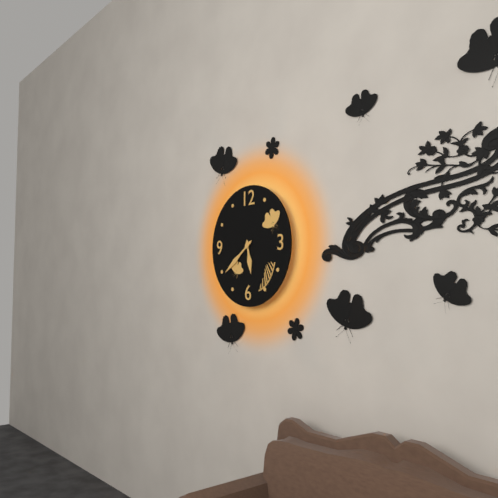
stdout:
5h39
